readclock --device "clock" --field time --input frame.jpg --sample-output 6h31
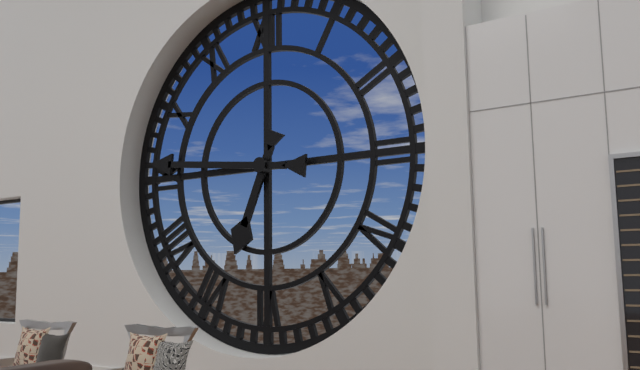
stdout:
6h46
